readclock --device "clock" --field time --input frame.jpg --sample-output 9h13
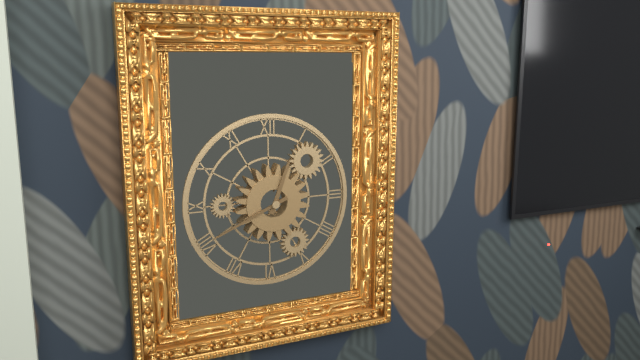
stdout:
12h41
